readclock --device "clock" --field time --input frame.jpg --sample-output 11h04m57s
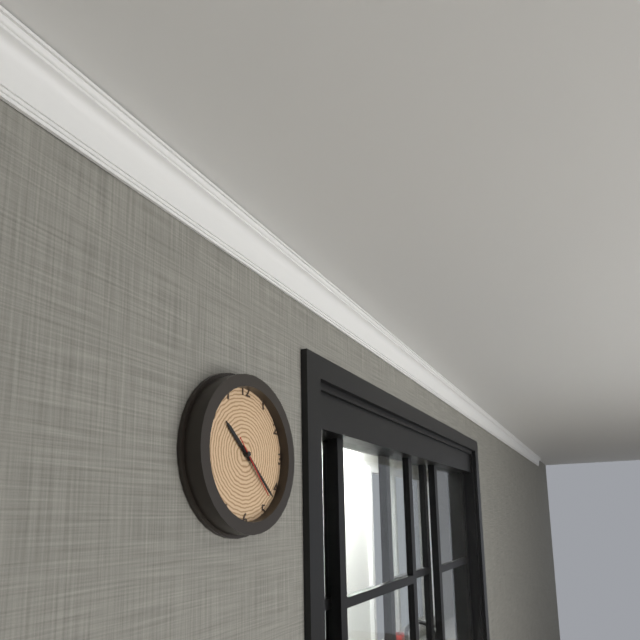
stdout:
10h22m23s
